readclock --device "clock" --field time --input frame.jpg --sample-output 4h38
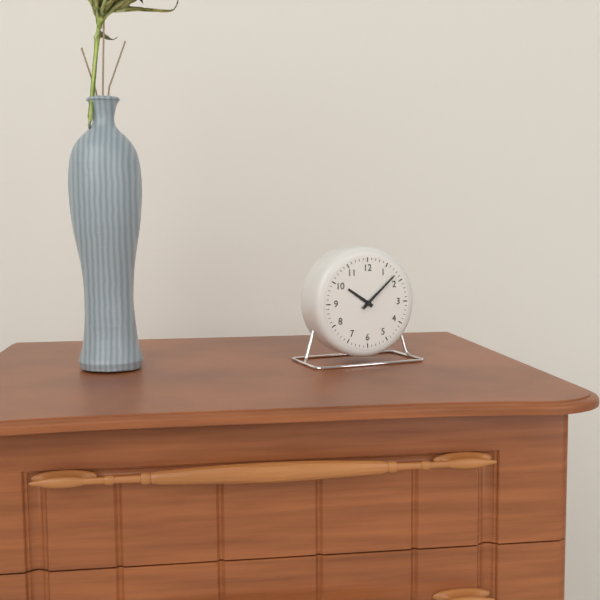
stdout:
10h08
